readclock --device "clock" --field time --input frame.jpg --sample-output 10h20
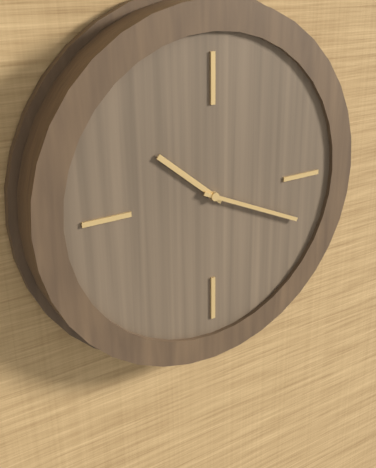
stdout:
10h19
